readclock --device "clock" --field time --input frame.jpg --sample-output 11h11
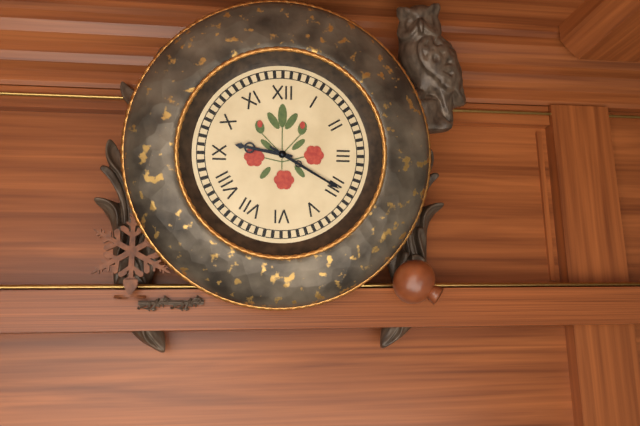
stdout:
9h20
